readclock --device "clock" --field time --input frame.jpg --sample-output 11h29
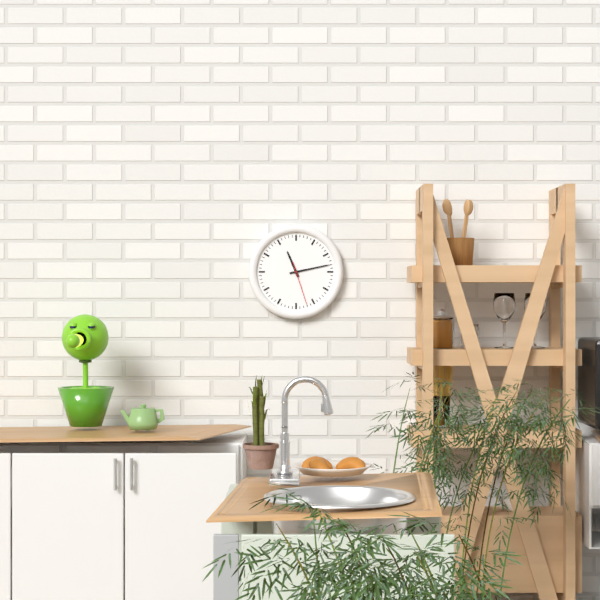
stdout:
11h13
